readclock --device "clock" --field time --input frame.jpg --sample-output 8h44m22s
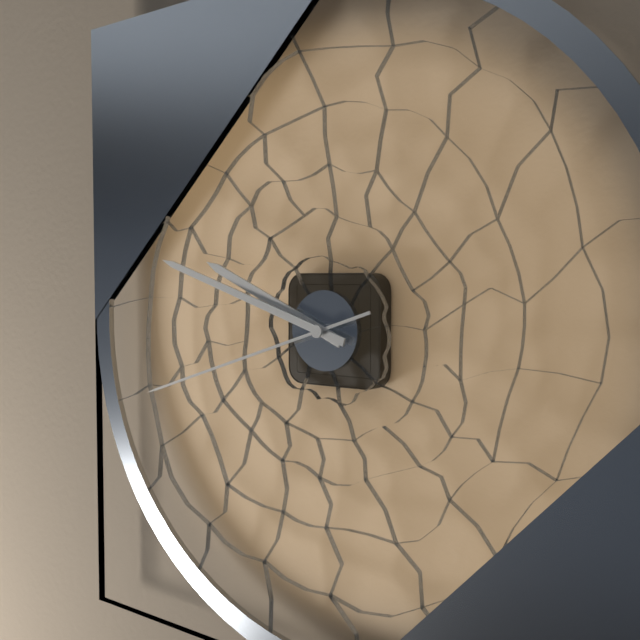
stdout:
9h48m42s
